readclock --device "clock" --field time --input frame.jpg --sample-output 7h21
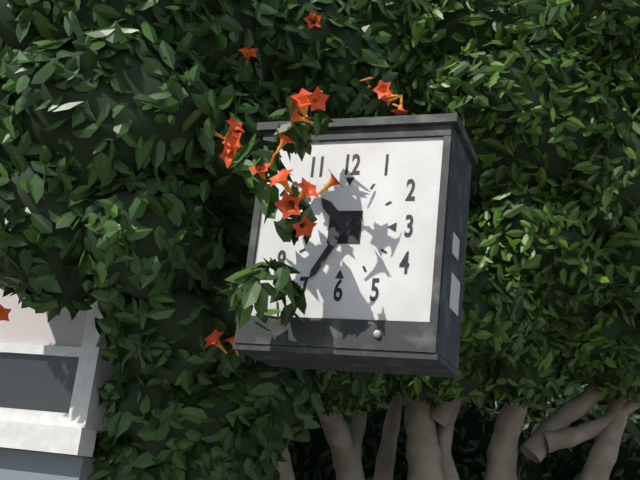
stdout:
10h35
